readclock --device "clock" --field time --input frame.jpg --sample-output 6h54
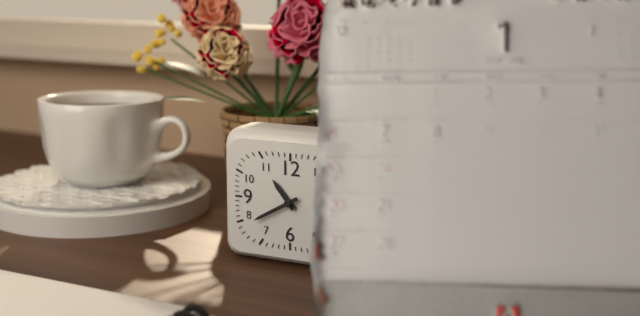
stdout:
10h40
